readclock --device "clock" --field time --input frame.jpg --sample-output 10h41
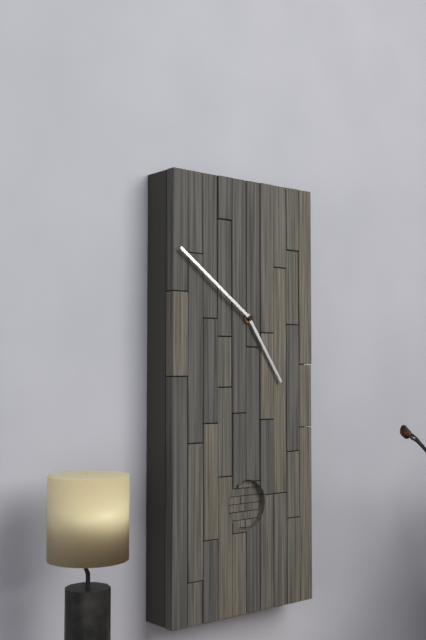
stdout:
4h51
